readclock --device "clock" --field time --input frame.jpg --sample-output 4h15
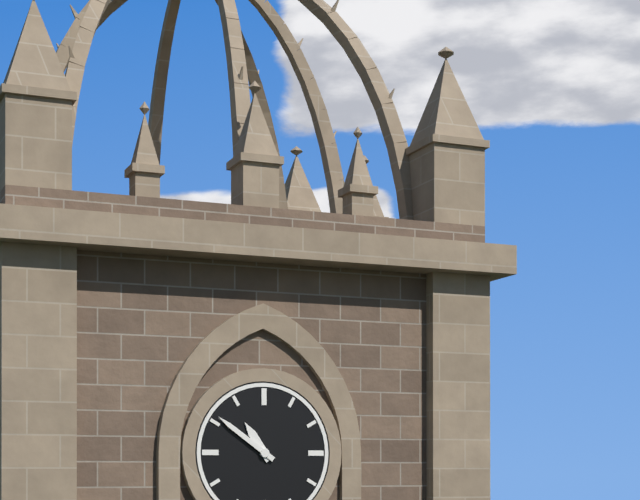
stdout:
10h51
